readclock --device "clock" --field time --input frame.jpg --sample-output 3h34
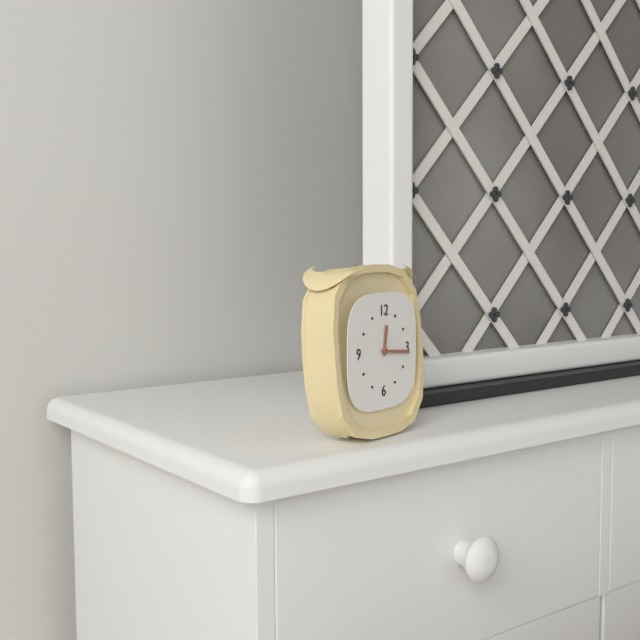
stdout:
12h16
